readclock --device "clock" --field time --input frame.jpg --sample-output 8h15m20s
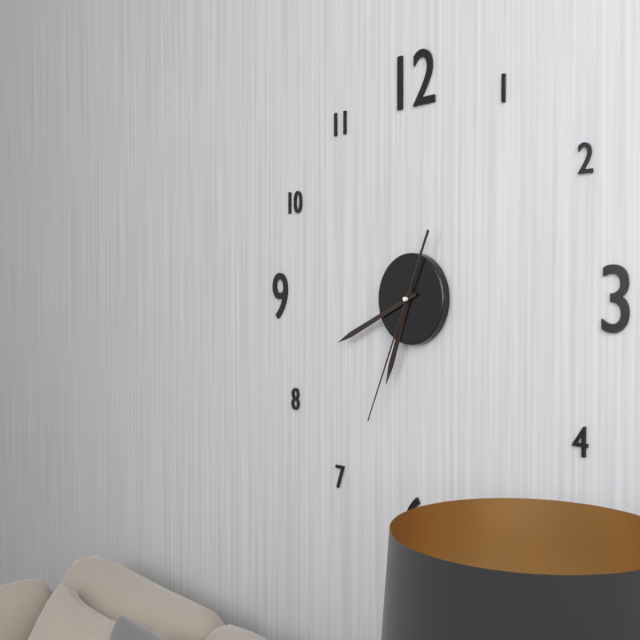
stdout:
6h41m34s
